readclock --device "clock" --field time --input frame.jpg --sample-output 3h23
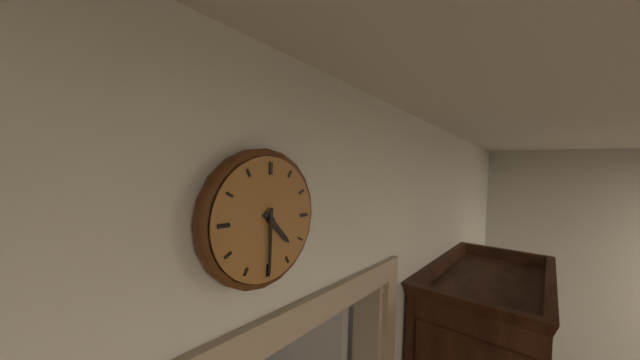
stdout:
4h30
